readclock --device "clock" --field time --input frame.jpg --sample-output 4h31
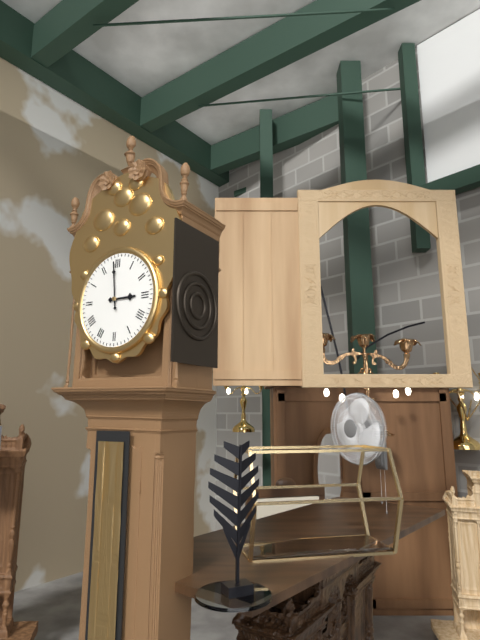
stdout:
2h59
